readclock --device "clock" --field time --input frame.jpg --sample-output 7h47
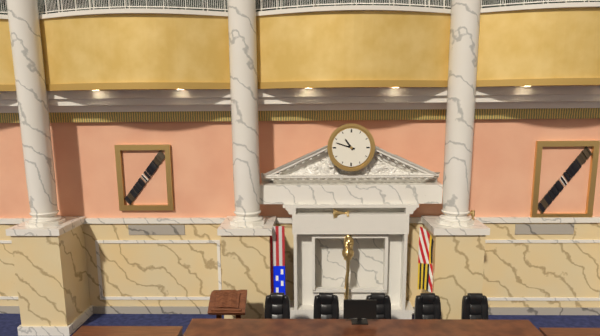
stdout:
10h48
